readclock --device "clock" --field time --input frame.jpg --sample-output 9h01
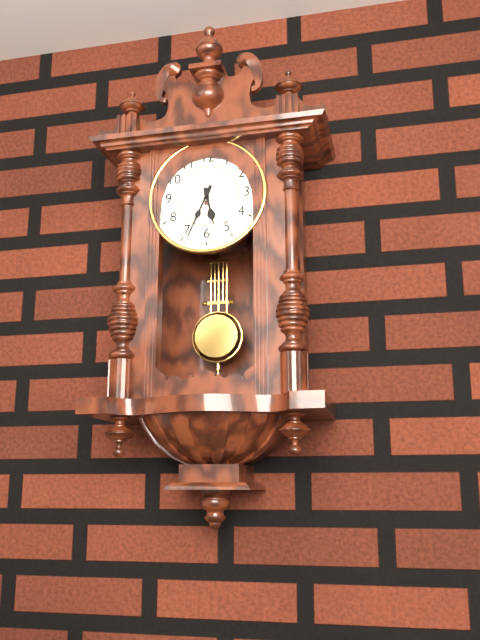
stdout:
5h34
